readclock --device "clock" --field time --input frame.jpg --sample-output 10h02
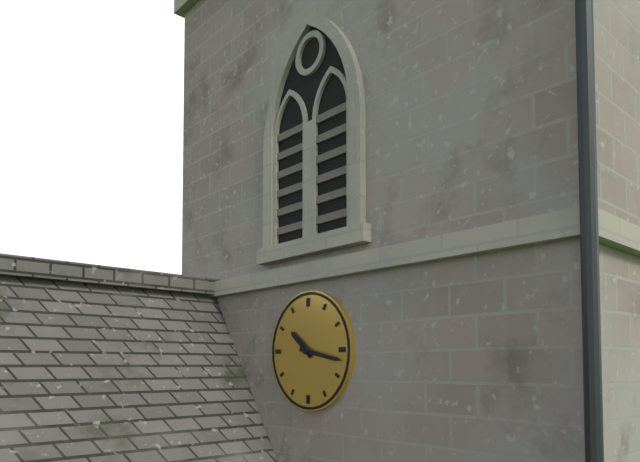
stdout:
10h17
